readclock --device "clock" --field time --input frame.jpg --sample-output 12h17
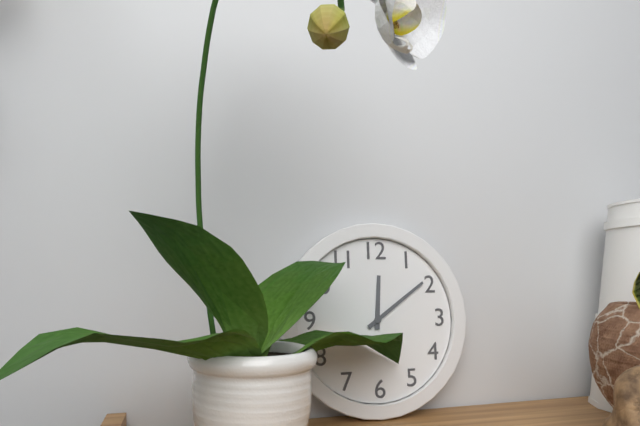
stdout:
12h09
